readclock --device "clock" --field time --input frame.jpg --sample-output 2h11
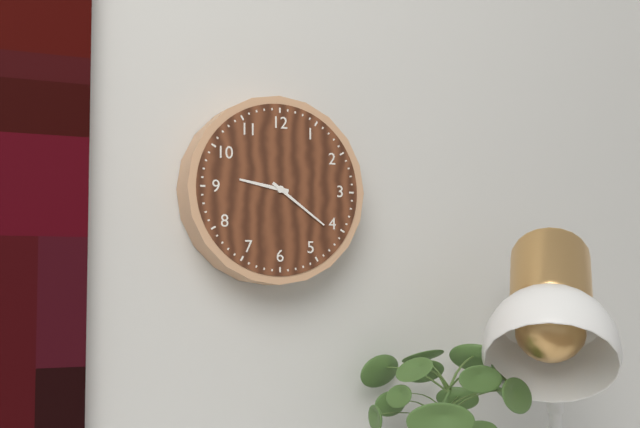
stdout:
9h21
